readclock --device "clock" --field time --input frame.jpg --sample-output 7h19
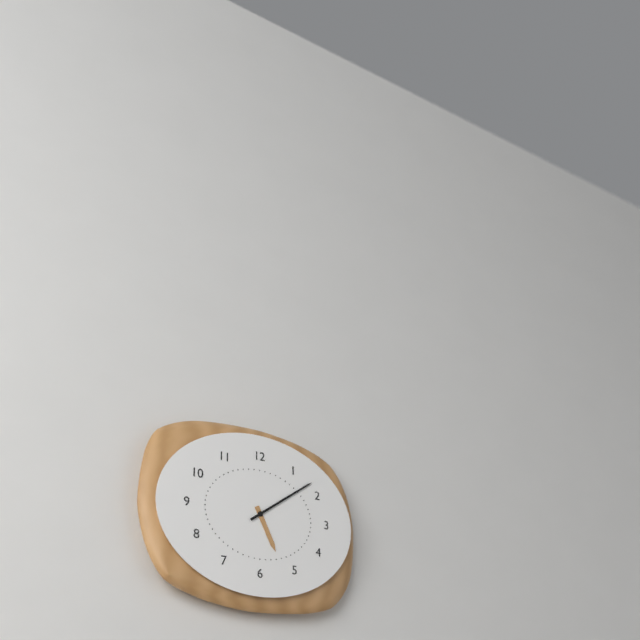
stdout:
5h09
